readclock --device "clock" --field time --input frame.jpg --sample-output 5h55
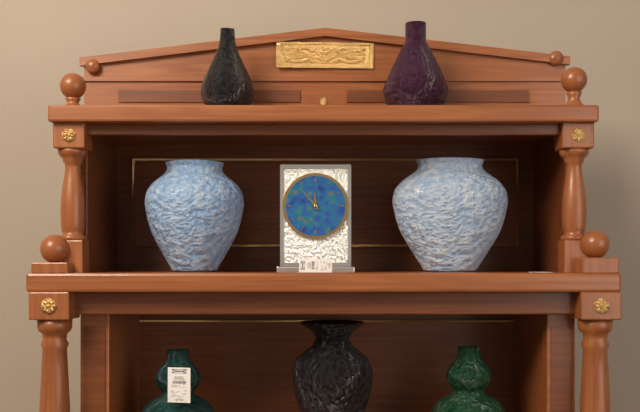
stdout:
11h53
